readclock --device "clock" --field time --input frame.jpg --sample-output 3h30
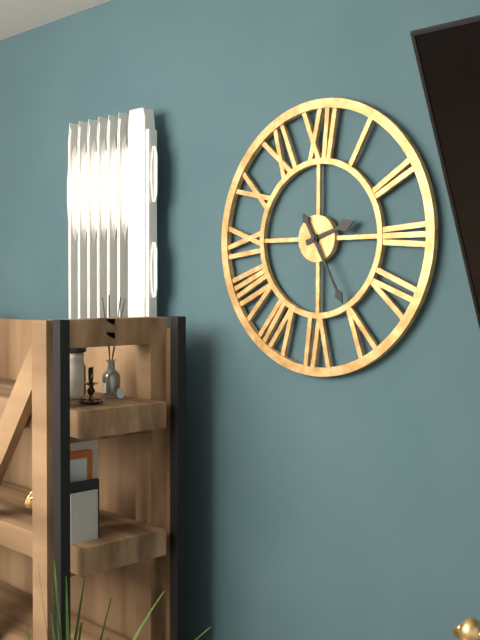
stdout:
2h25
